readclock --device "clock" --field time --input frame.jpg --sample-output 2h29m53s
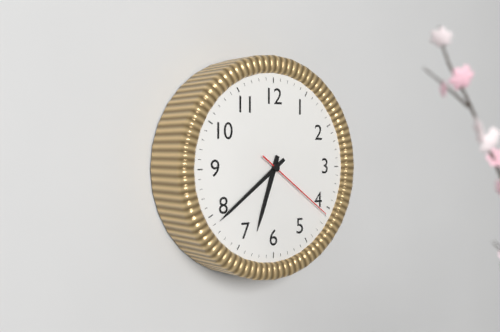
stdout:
6h39m21s
